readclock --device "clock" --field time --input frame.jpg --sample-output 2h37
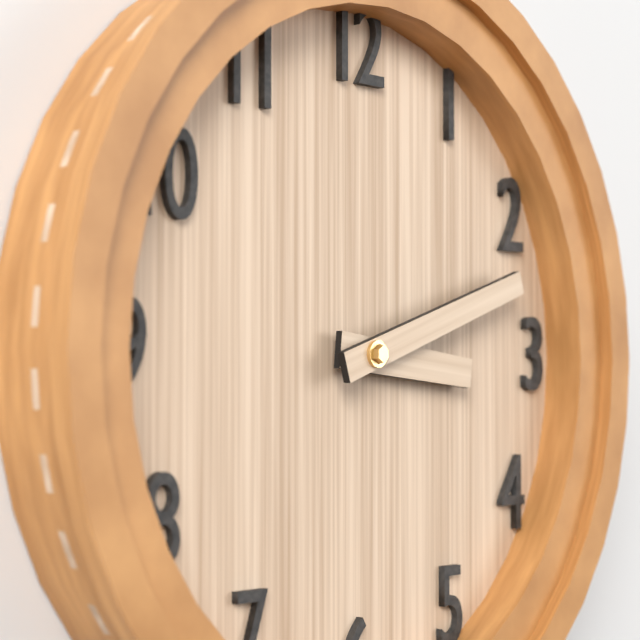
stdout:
3h12
